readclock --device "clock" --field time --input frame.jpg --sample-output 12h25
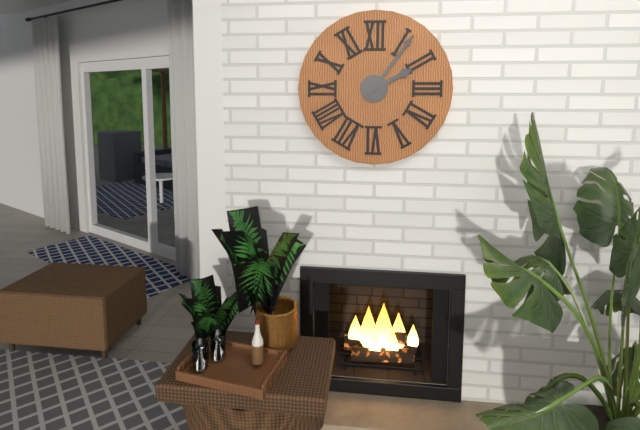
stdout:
2h06
